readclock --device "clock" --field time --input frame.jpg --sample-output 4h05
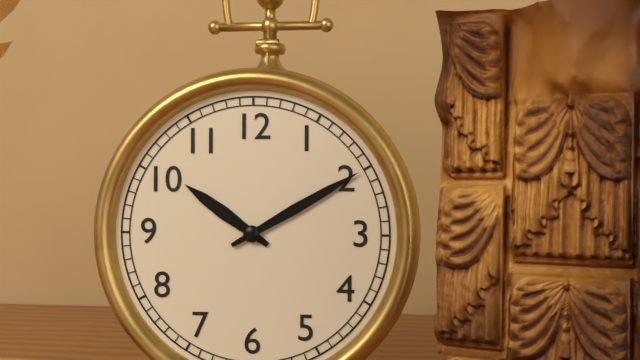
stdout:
10h10
